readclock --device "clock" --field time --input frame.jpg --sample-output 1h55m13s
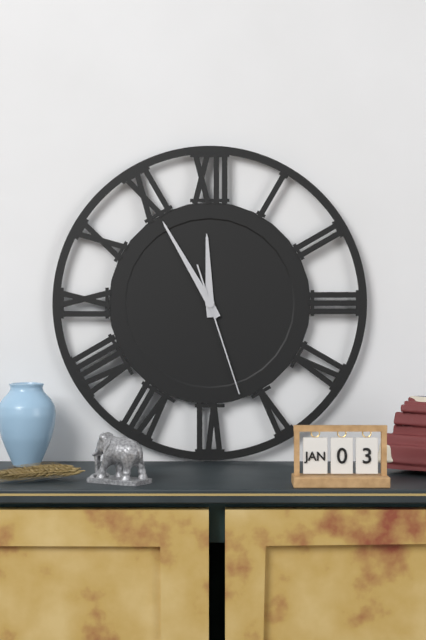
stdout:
11h55m27s
